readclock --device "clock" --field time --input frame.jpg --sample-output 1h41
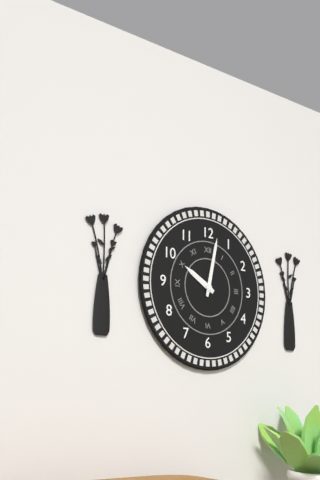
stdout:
10h02
